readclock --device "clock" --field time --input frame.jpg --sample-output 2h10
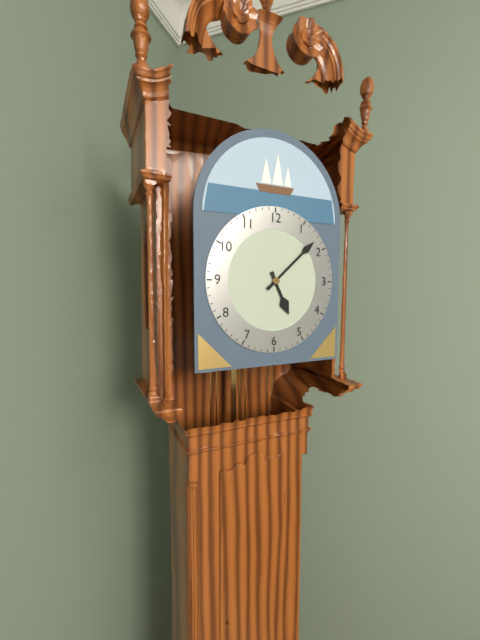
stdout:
5h08
